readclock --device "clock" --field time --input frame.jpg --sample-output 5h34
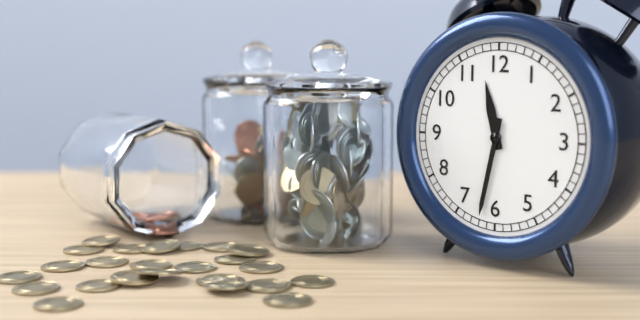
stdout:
11h32
